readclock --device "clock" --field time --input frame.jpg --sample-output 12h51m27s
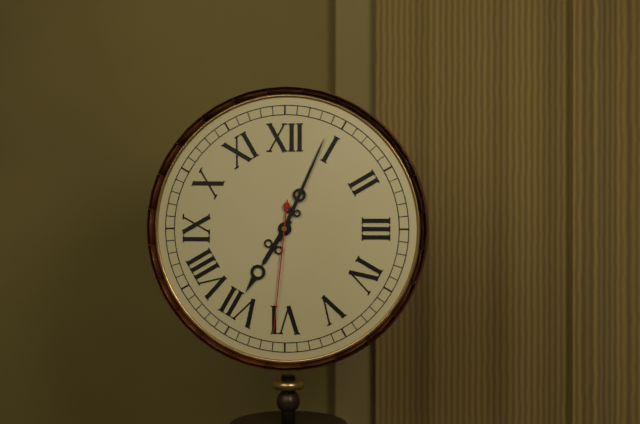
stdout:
7h04m31s
